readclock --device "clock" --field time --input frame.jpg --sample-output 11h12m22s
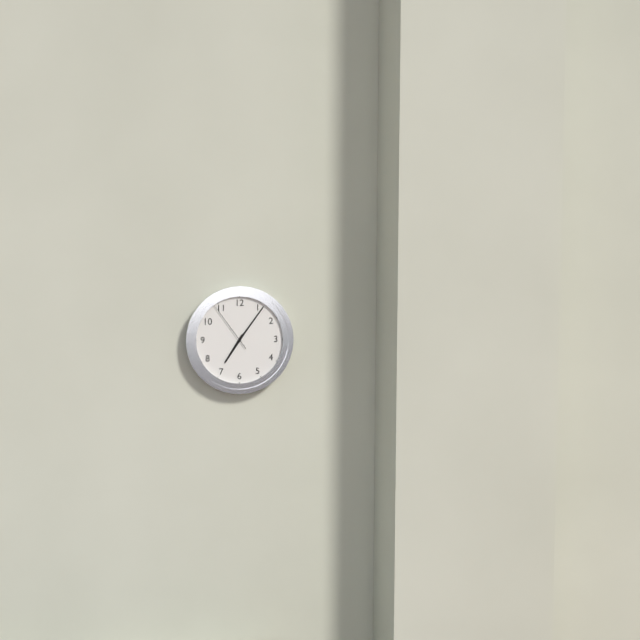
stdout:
7h06m54s
